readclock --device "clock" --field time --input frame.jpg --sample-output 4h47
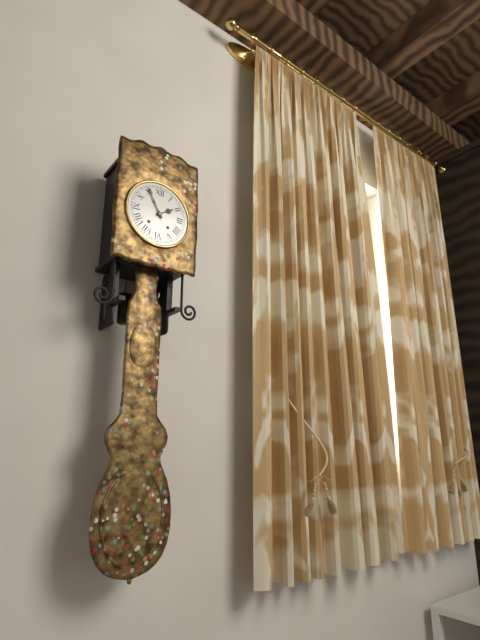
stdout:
1h55
